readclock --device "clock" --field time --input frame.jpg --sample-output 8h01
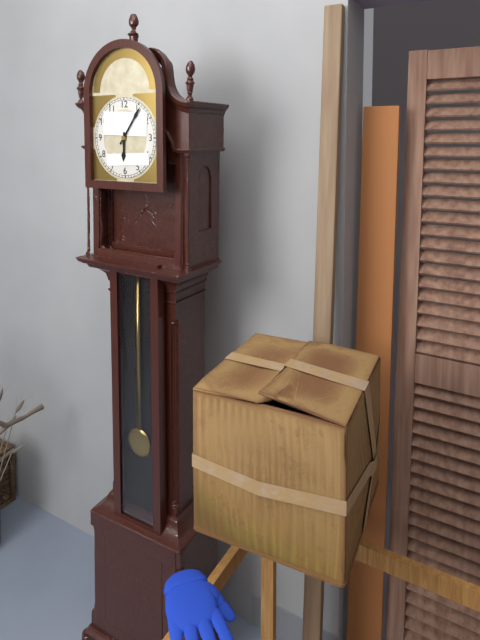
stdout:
6h06
